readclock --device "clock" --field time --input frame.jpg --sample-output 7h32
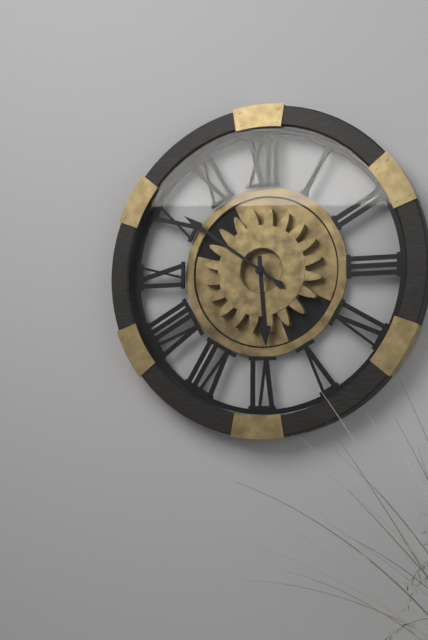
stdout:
5h51
